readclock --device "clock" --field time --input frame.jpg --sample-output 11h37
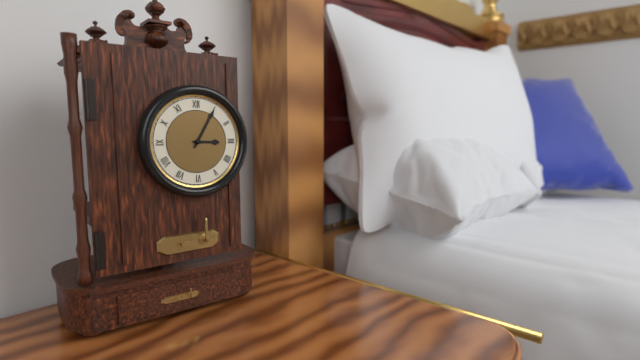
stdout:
3h05
